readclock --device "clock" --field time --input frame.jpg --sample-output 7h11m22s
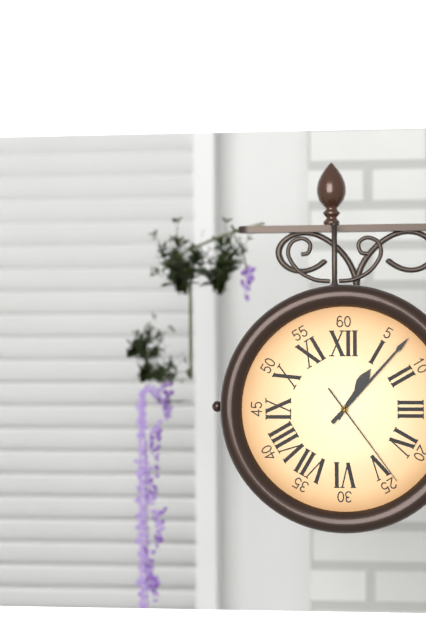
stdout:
1h07m24s
